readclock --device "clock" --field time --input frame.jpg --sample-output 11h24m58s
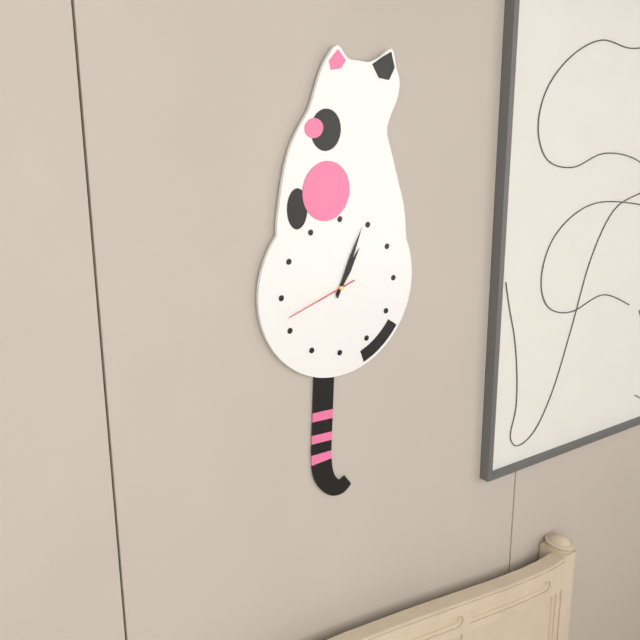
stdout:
1h04m42s
